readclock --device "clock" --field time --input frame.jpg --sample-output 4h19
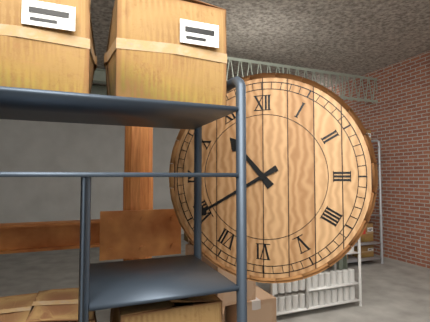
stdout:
10h40
